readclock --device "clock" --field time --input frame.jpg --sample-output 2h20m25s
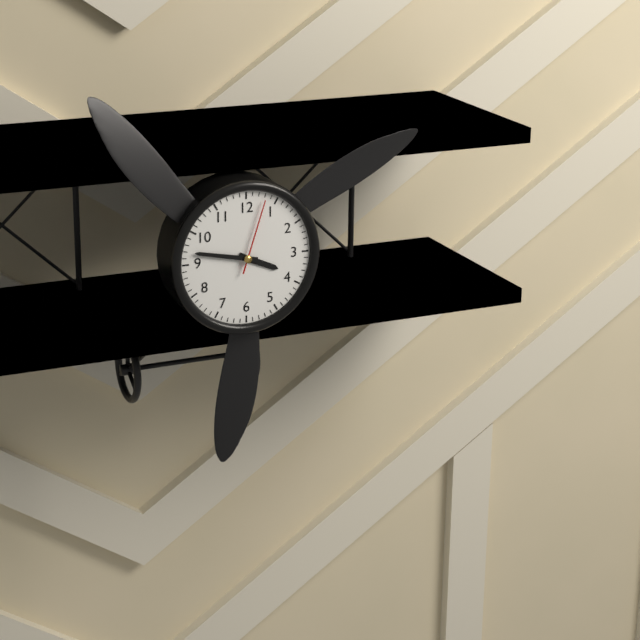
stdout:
3h47m03s
